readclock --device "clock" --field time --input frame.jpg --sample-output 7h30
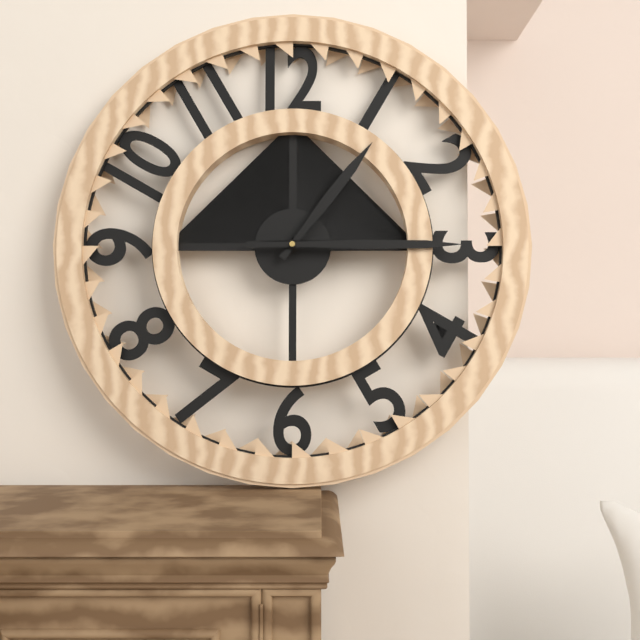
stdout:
1h15
